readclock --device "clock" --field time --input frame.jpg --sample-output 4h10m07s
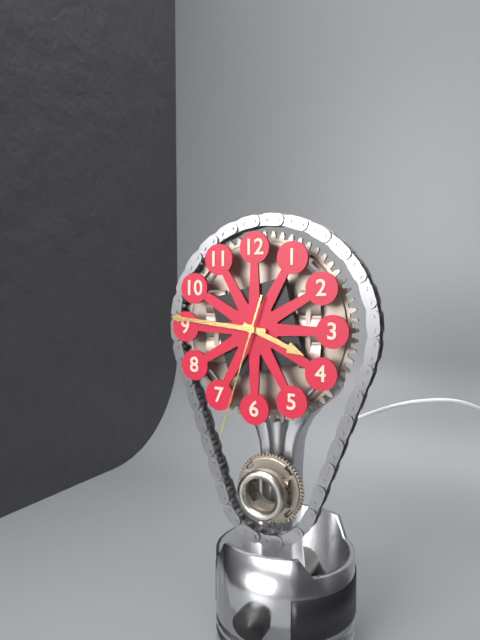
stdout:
3h46m33s
